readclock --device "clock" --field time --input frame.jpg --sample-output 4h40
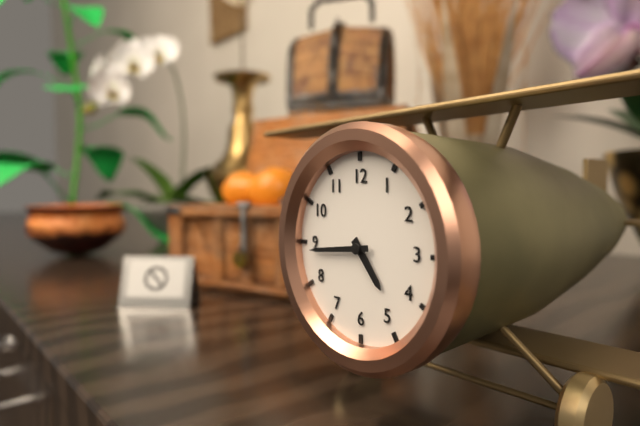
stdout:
4h44
